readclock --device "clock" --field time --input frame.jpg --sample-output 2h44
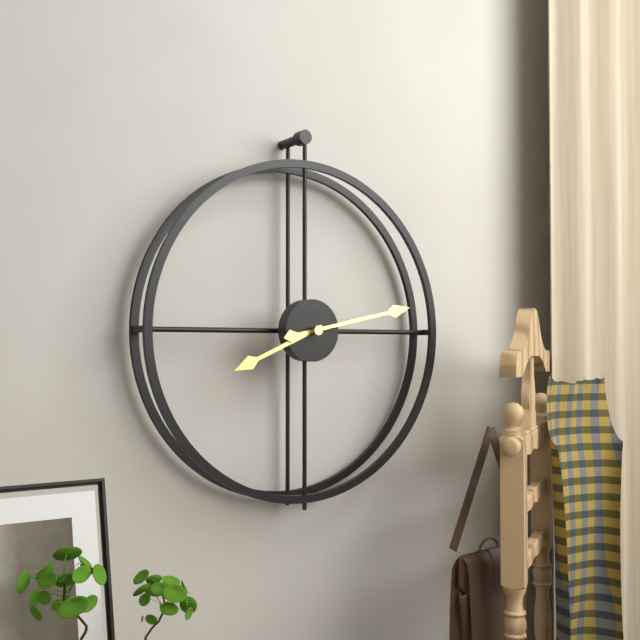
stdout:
8h13
